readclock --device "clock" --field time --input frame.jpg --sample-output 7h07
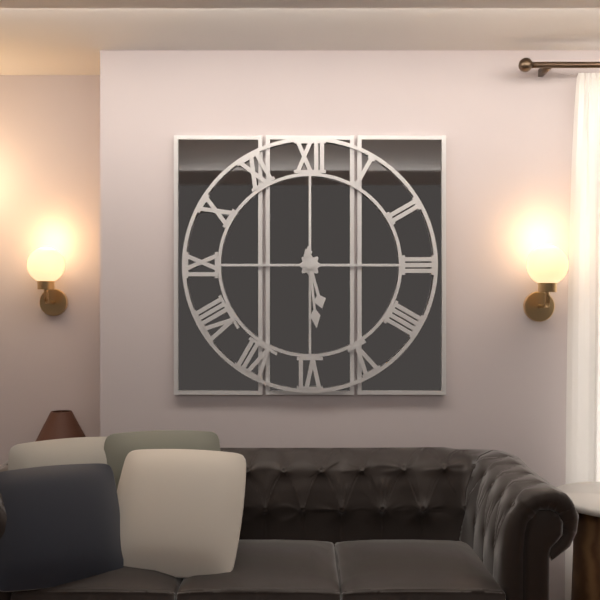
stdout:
5h29
